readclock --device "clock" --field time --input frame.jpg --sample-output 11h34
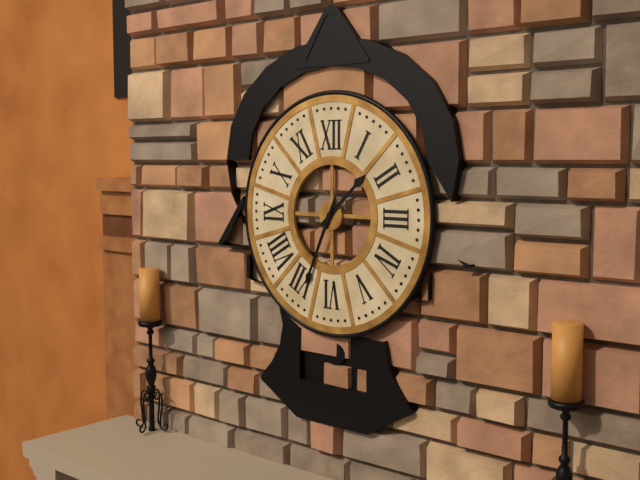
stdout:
1h34
